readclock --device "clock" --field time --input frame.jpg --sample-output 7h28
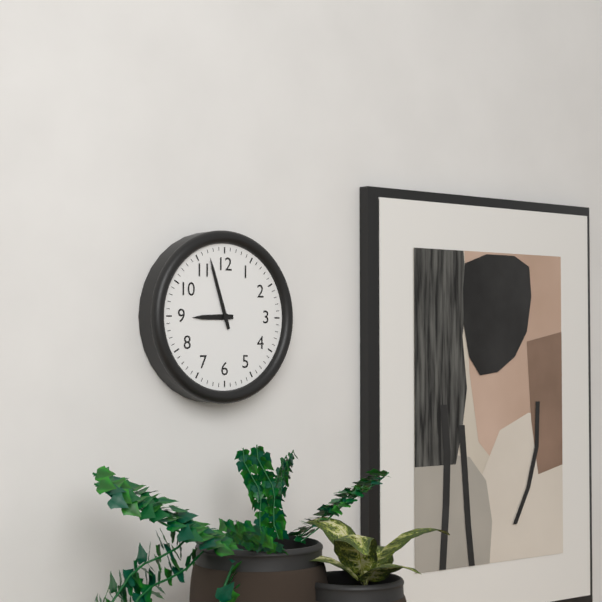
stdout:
8h57
